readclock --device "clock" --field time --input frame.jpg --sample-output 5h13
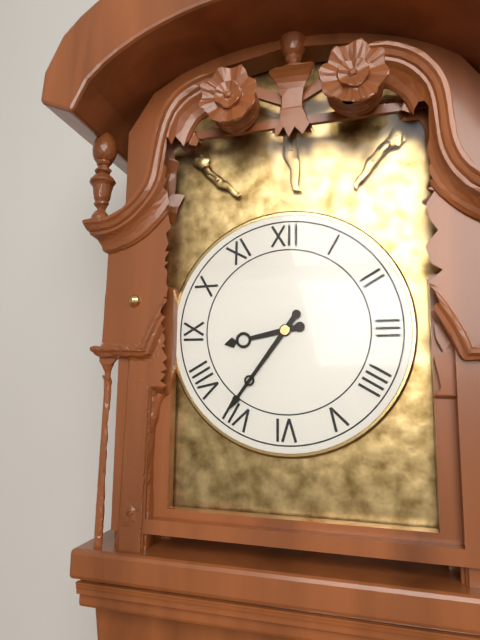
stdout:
8h36
